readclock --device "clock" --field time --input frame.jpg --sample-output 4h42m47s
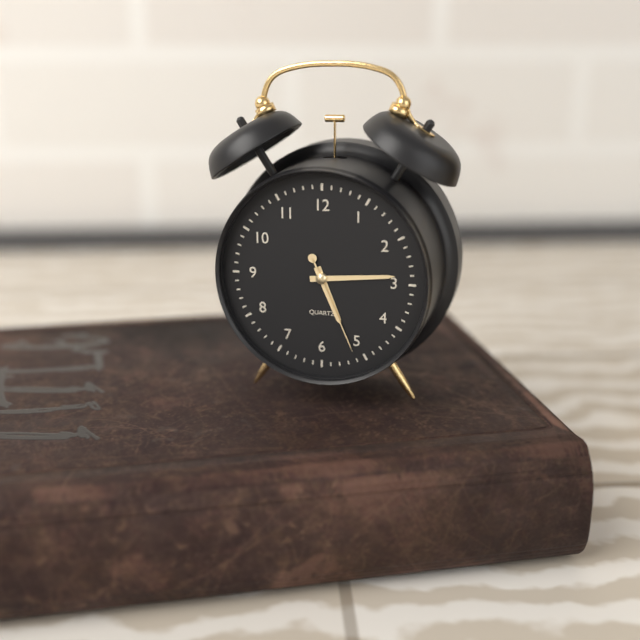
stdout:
5h14m26s
